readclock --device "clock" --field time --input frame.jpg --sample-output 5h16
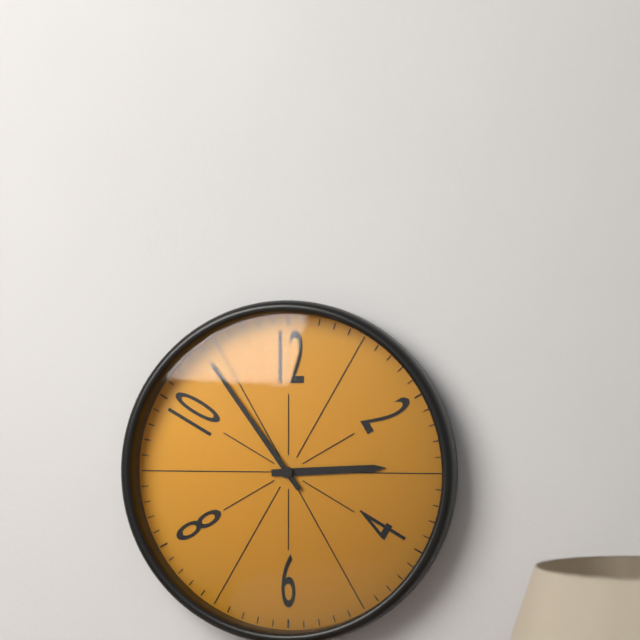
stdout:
2h54
